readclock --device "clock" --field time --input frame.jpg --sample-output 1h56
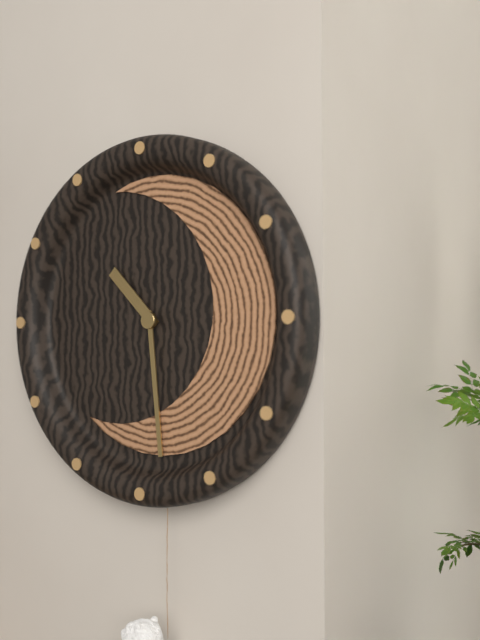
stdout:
10h29
